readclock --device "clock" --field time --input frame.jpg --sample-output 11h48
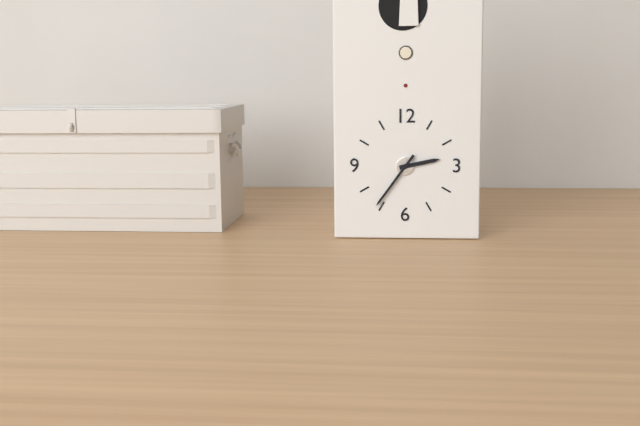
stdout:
2h36
